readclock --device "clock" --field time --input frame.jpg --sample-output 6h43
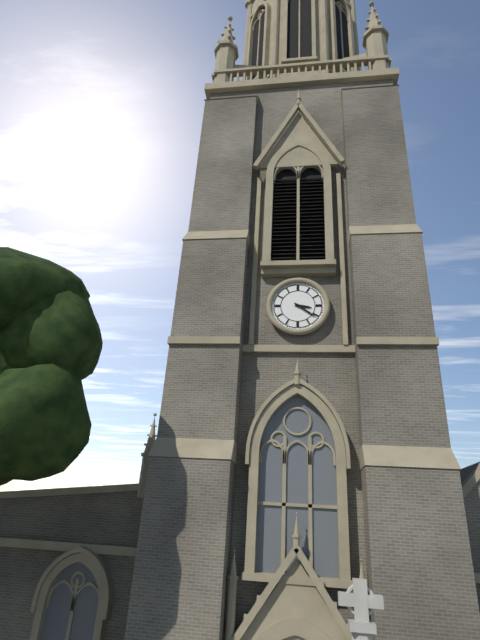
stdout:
3h21
